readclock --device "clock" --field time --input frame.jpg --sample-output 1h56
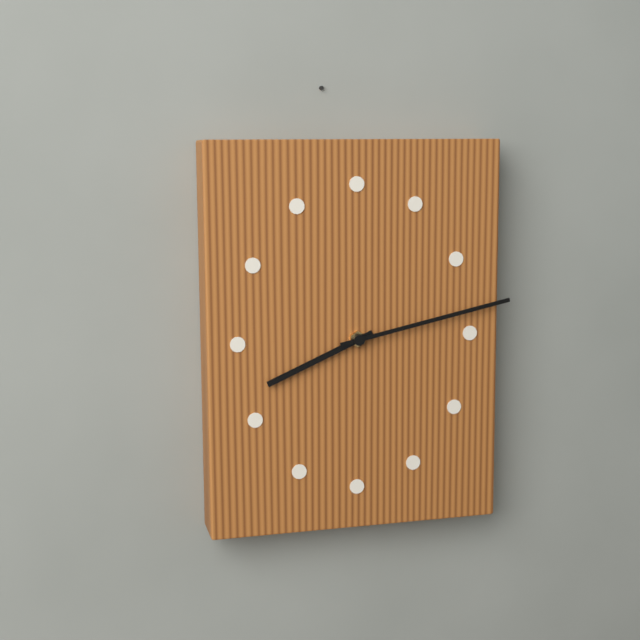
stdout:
8h13
